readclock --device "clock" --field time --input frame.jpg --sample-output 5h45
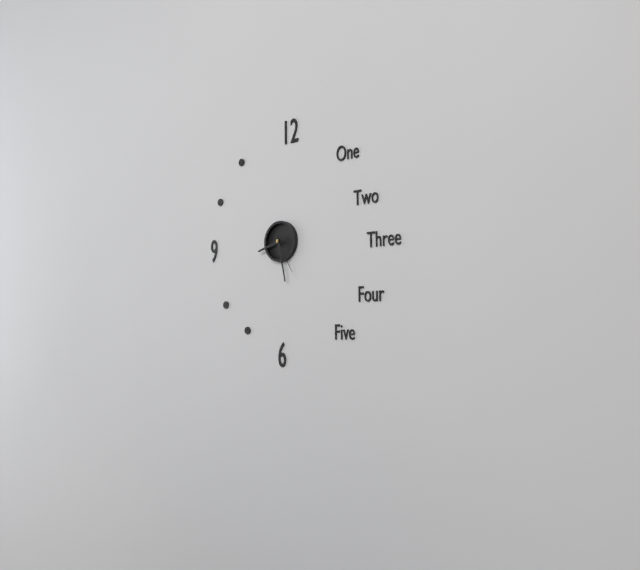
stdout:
8h28
